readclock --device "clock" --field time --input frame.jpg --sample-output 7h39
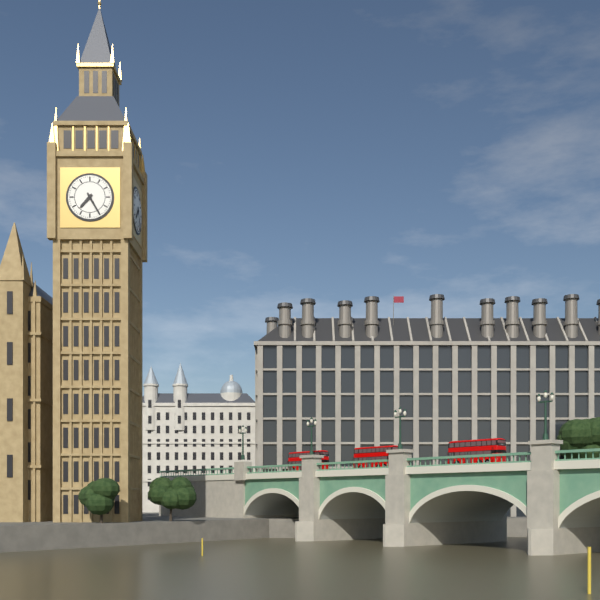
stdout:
7h25
